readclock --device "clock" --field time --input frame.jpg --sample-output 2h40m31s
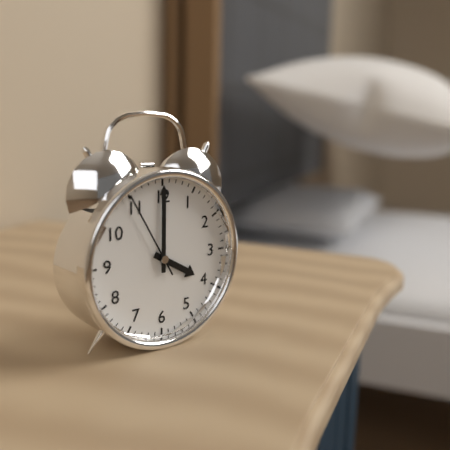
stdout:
4h00m55s
